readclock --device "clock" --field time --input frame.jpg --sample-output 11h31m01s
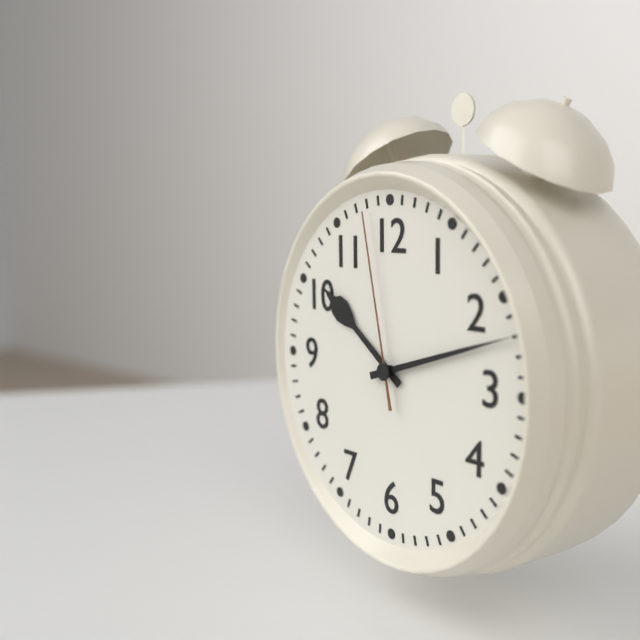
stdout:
10h12m58s
